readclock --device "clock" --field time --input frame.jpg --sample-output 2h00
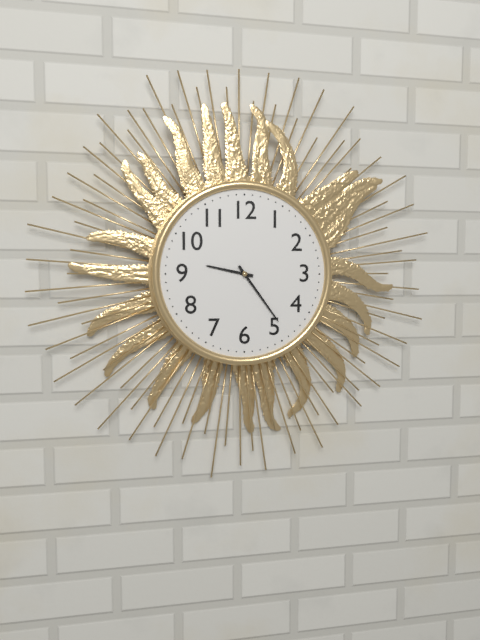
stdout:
9h24
